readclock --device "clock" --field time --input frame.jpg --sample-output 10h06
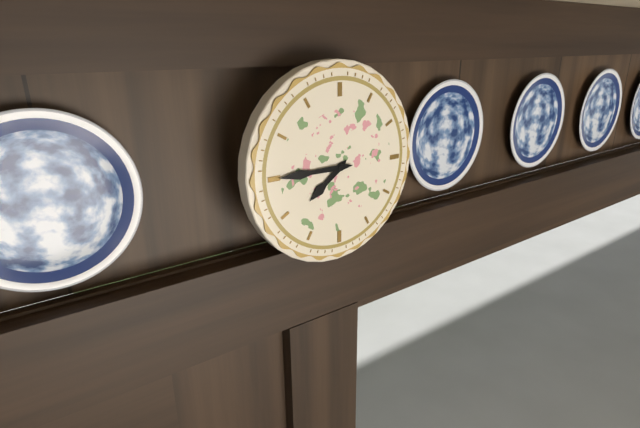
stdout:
7h45
